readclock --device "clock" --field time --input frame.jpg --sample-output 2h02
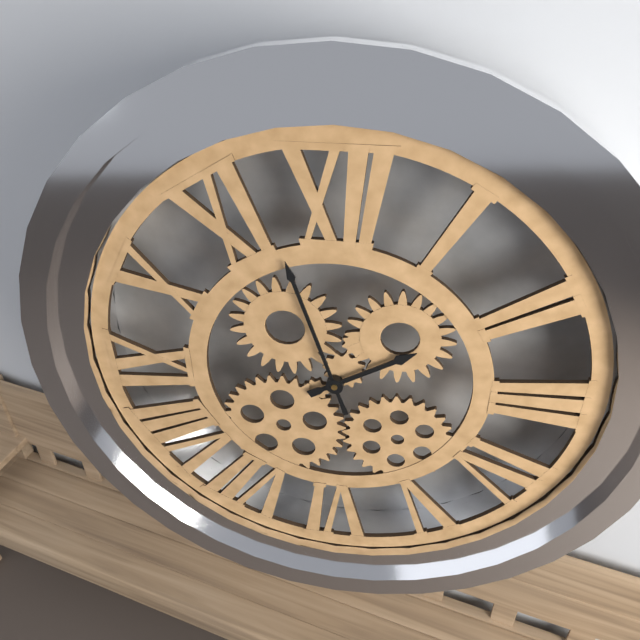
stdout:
1h57
